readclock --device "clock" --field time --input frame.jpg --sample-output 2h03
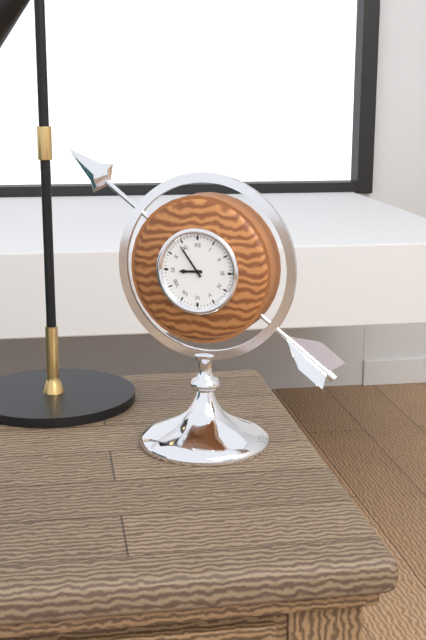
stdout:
8h54
